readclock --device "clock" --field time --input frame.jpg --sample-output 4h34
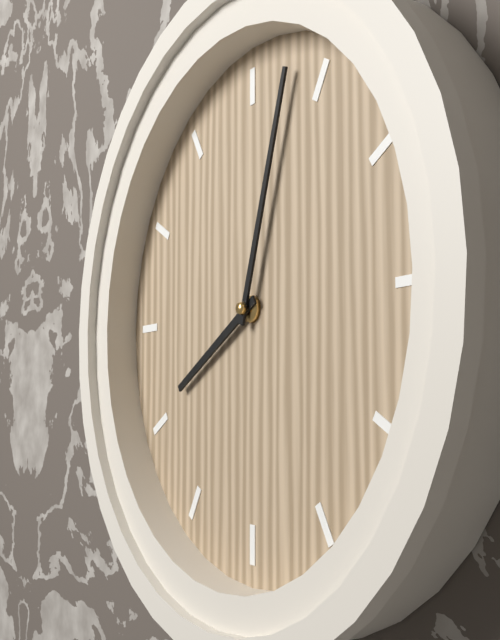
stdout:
8h03
